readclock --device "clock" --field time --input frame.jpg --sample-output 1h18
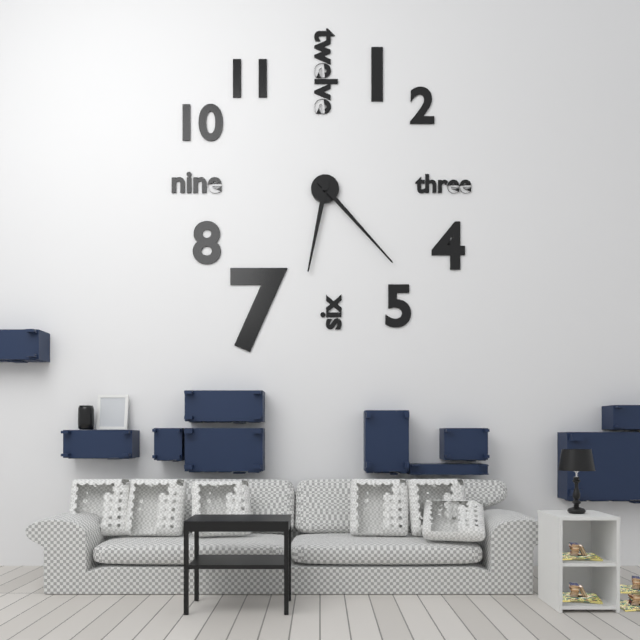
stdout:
6h23
